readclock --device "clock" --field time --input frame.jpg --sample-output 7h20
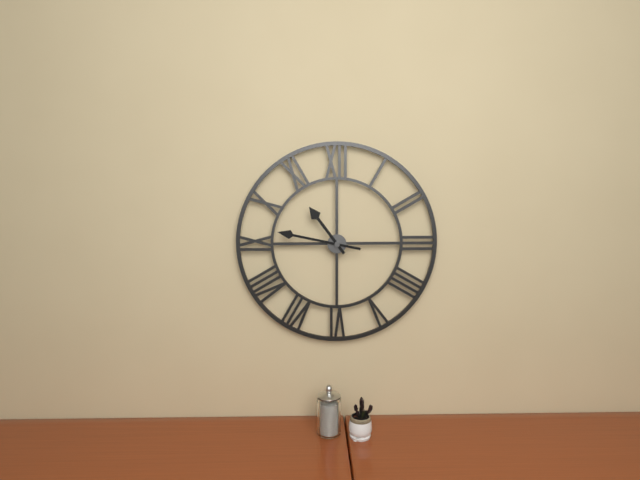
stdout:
10h47
